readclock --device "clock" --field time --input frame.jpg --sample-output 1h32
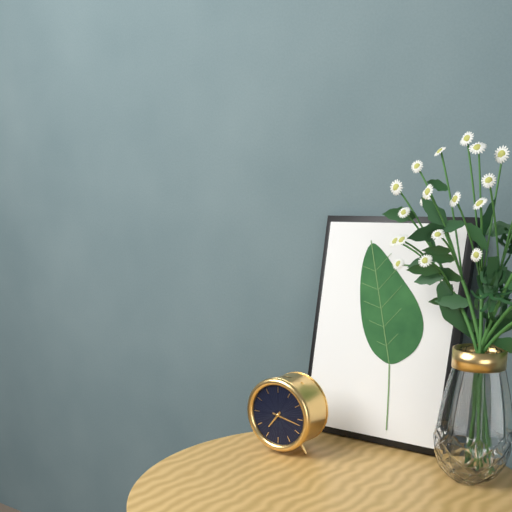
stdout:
7h17
